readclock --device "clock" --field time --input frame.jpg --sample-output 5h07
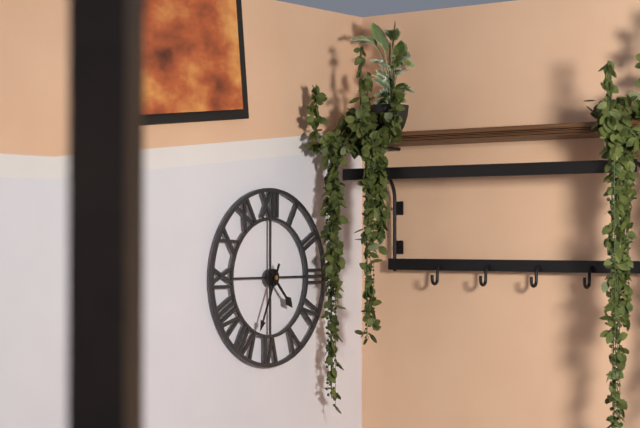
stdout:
4h34
